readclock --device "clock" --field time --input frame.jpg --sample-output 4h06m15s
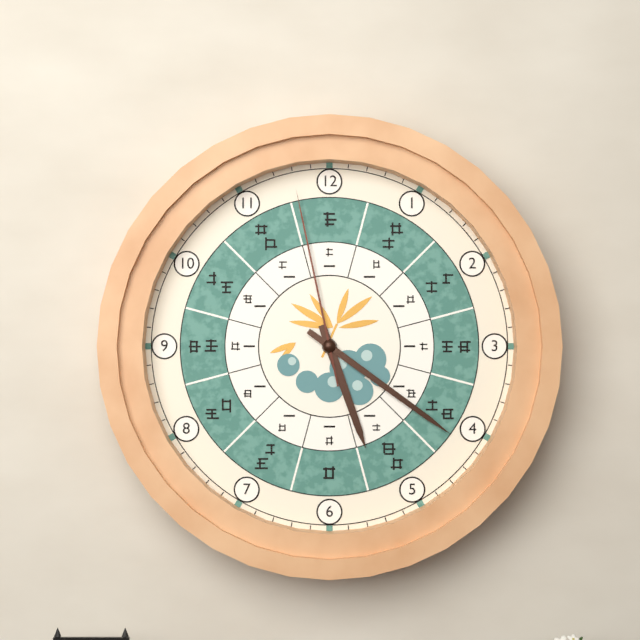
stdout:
5h21m58s
